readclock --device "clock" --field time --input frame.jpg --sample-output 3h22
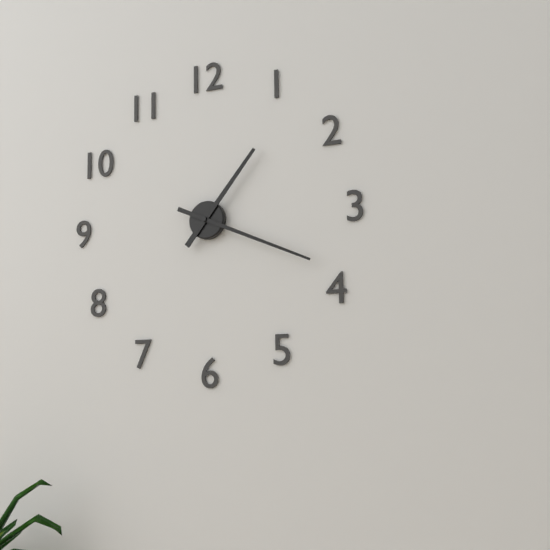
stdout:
1h19
